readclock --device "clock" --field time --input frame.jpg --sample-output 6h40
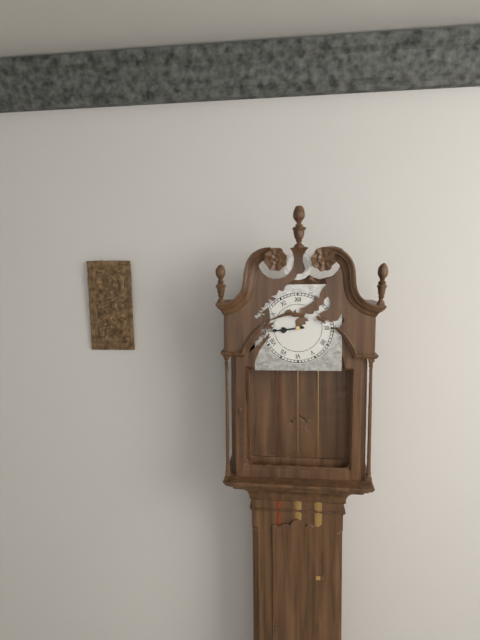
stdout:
8h44
